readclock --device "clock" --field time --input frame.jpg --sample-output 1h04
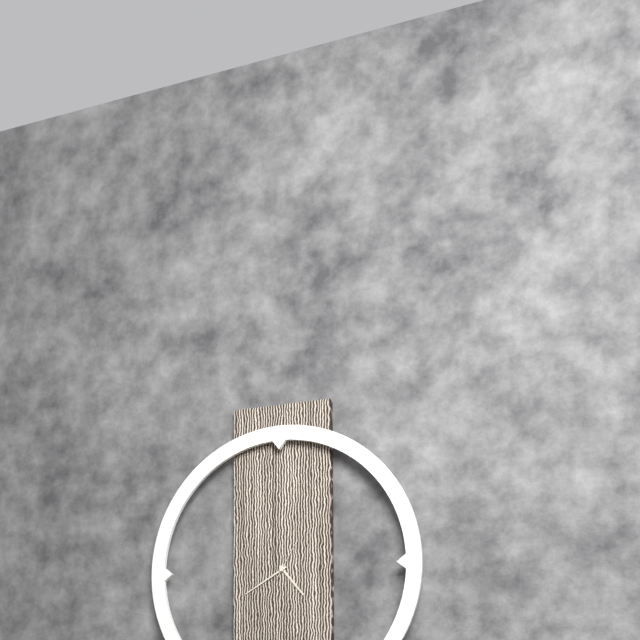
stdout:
4h40
